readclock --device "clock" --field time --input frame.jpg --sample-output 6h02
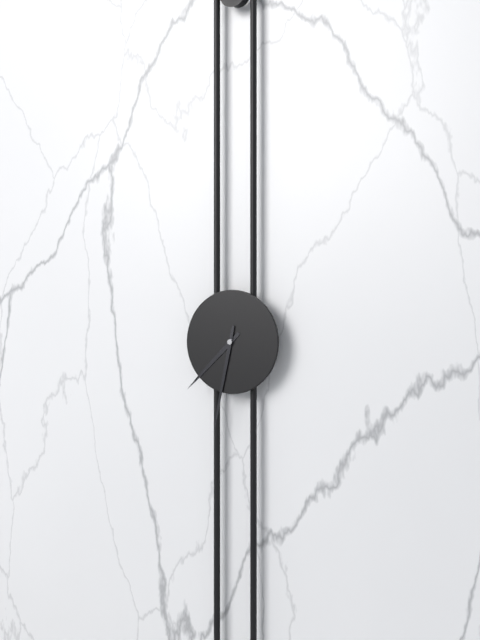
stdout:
7h32
